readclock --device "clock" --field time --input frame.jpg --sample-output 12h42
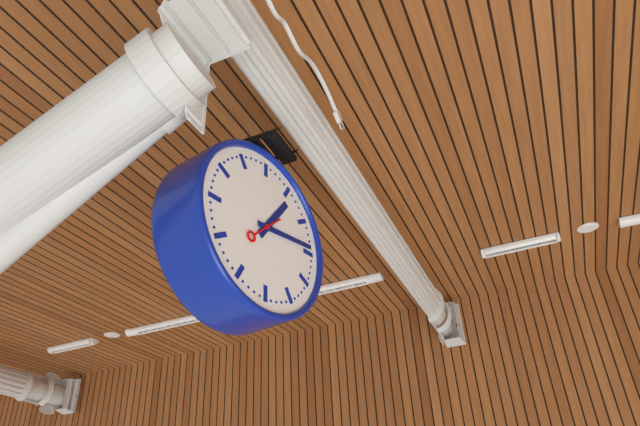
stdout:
1h14
